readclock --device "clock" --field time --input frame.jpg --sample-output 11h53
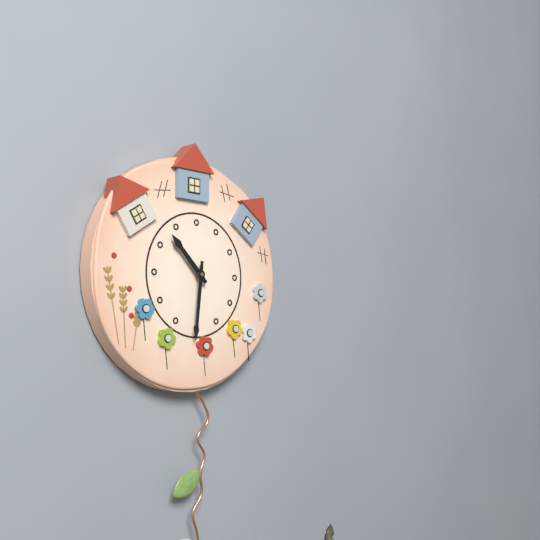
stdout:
10h31
